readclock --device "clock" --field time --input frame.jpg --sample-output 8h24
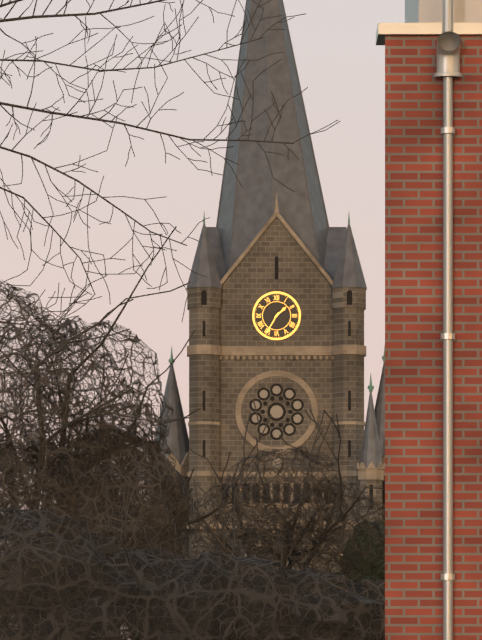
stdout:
1h35
